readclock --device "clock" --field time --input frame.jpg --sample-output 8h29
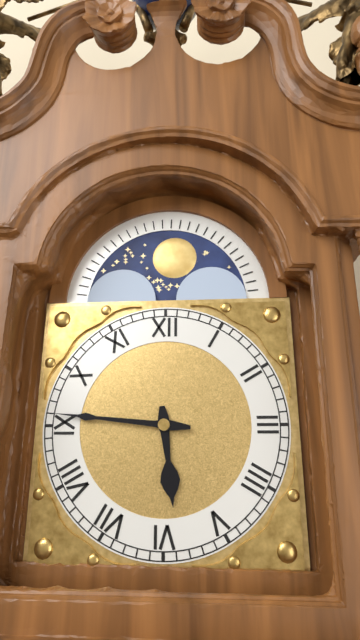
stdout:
5h46
